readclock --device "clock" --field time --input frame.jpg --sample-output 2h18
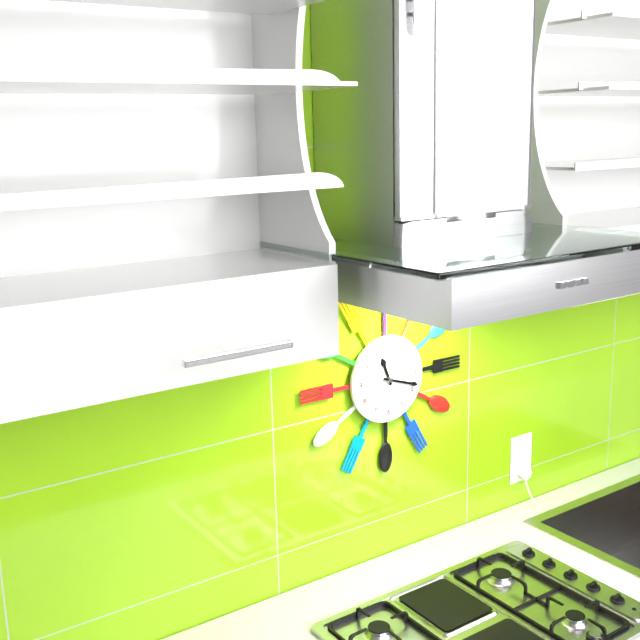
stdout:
11h18
